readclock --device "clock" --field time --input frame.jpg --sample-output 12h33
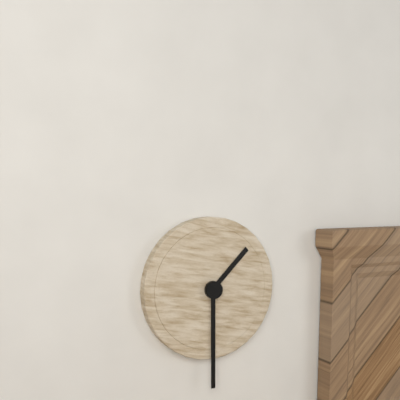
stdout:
1h30
